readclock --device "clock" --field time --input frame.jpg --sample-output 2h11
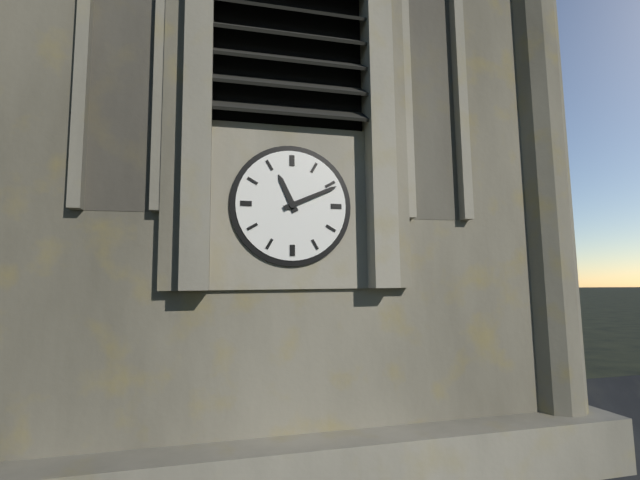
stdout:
11h11
